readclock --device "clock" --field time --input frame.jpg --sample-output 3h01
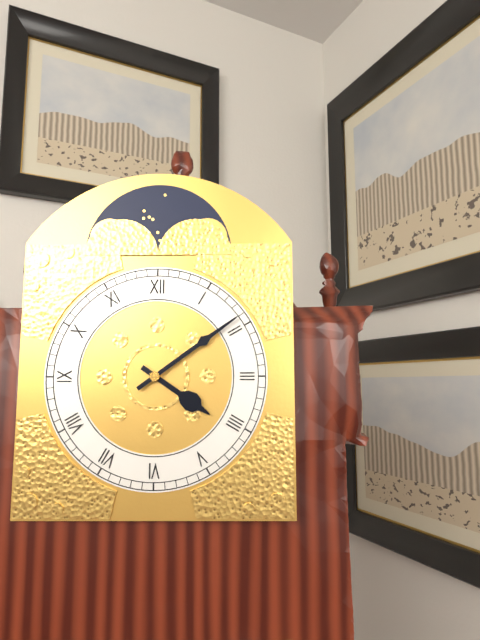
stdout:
4h09
